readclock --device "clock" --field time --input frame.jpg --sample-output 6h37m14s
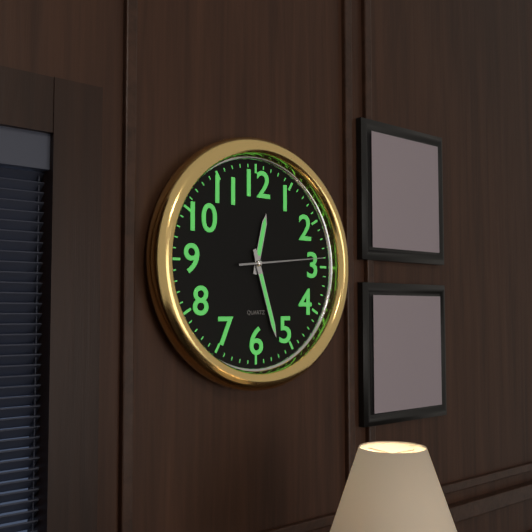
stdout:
12h27m14s
